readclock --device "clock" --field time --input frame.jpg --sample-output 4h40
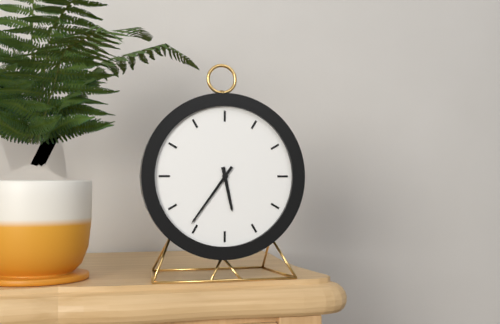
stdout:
5h36
